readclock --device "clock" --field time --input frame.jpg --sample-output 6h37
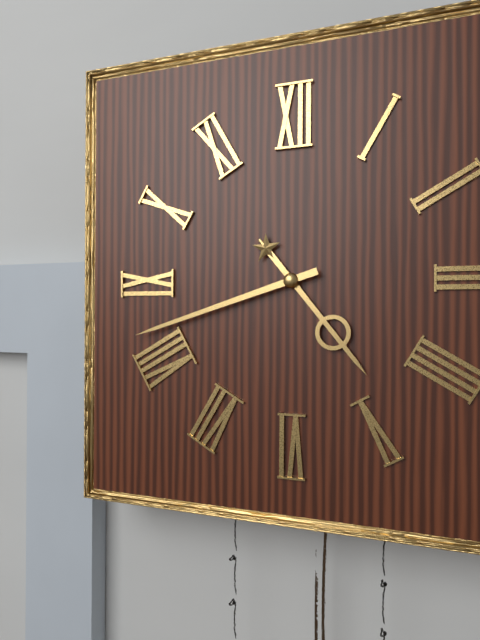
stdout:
4h42
